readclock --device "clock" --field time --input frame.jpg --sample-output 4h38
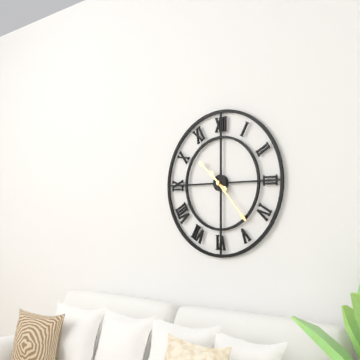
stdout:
10h23
